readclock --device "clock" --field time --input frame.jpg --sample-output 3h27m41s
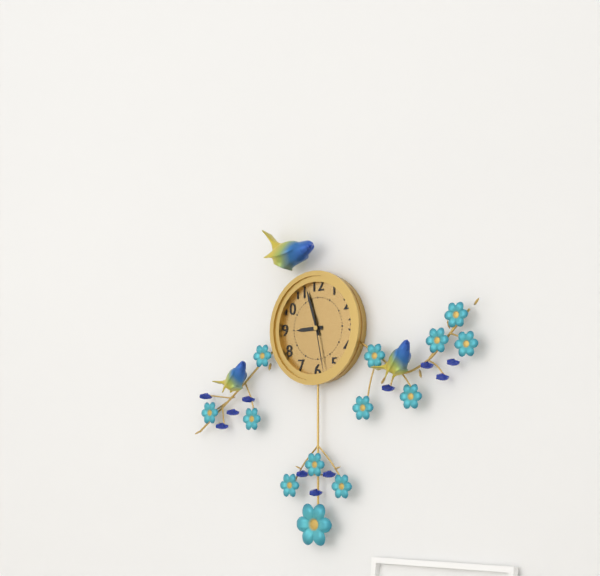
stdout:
8h57m28s
